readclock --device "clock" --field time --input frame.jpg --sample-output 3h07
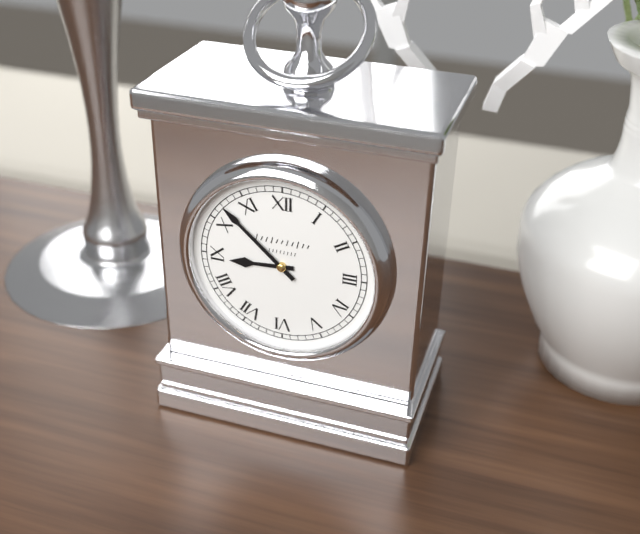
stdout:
8h52
